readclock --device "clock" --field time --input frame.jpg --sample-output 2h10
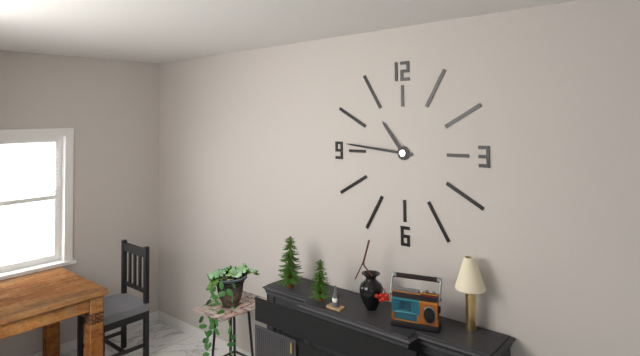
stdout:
10h46
